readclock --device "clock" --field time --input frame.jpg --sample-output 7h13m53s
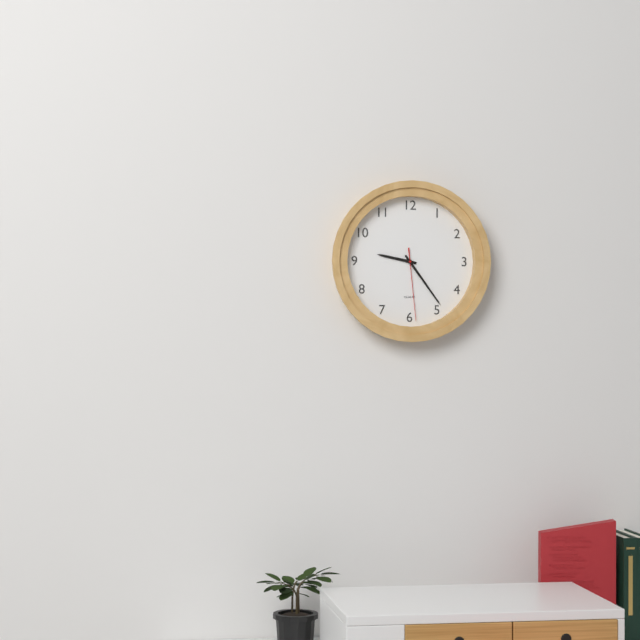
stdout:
9h24m29s
